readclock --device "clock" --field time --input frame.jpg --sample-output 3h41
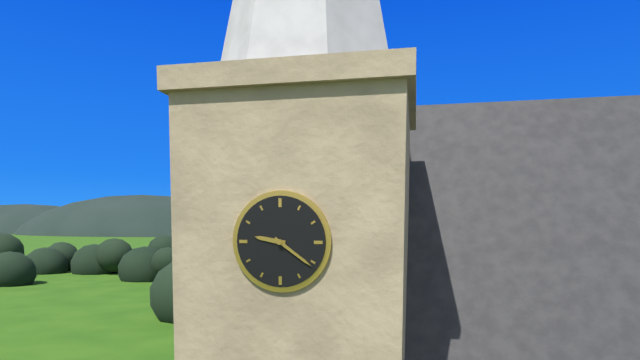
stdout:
9h21
